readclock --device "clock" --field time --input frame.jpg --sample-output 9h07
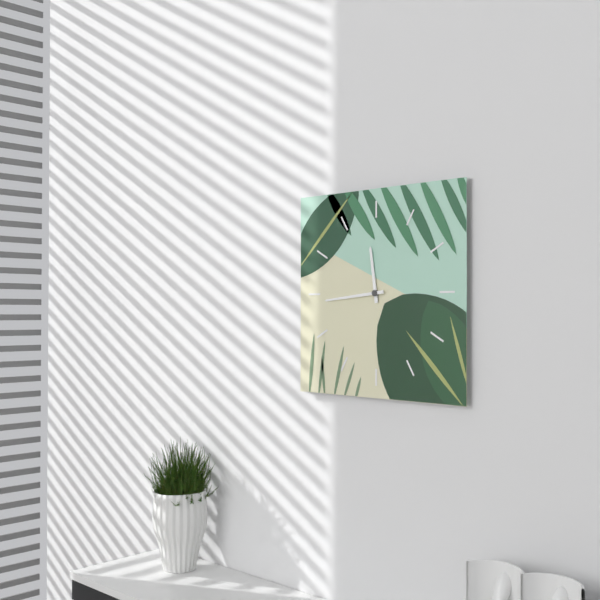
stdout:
11h44
